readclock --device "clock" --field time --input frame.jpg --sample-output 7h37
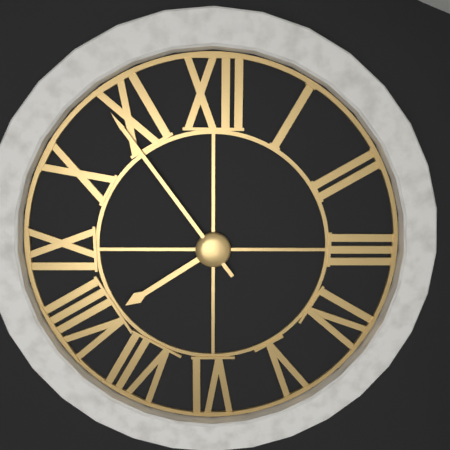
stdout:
7h54
